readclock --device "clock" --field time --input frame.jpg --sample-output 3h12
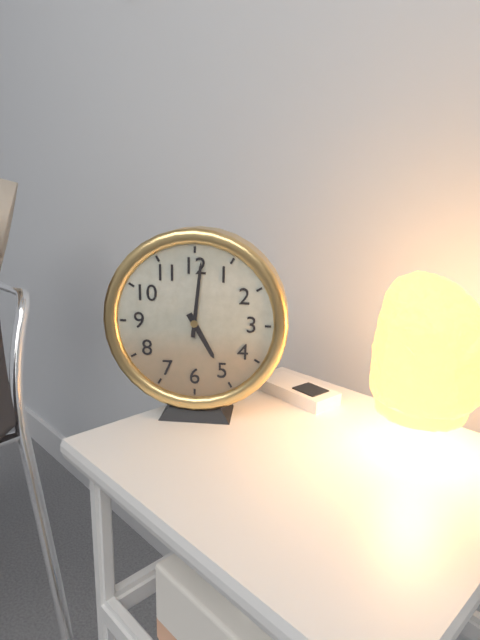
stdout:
5h01
